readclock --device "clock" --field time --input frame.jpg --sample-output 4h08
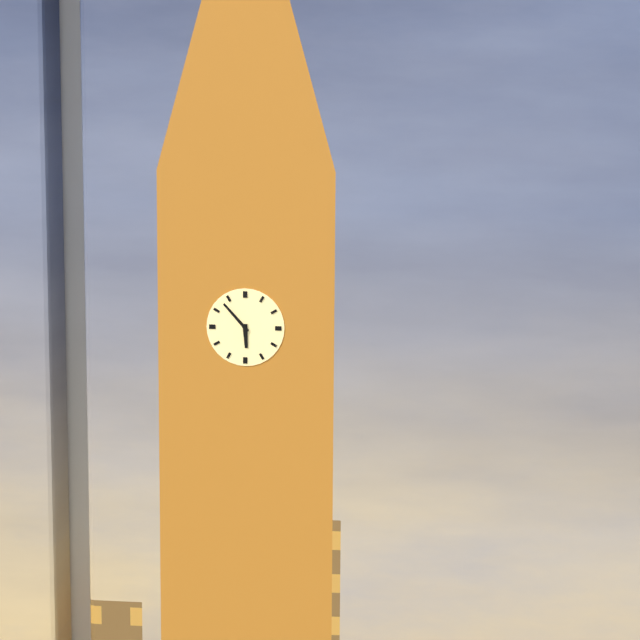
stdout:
5h53
